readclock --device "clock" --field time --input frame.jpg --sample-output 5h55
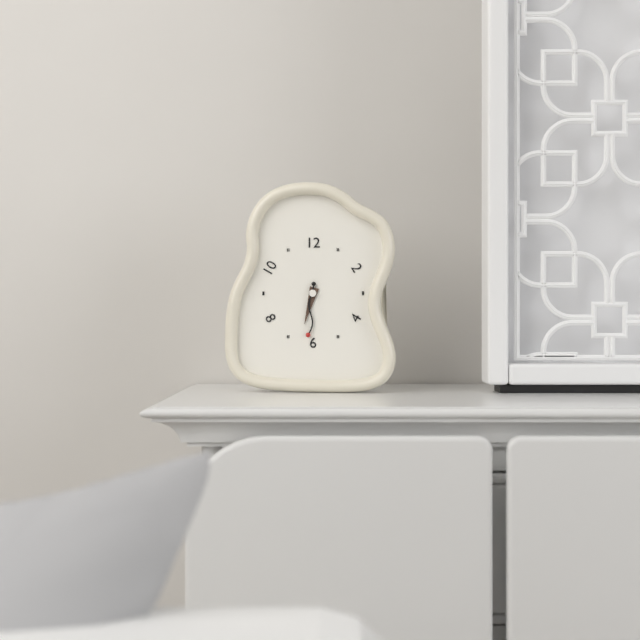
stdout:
6h31
